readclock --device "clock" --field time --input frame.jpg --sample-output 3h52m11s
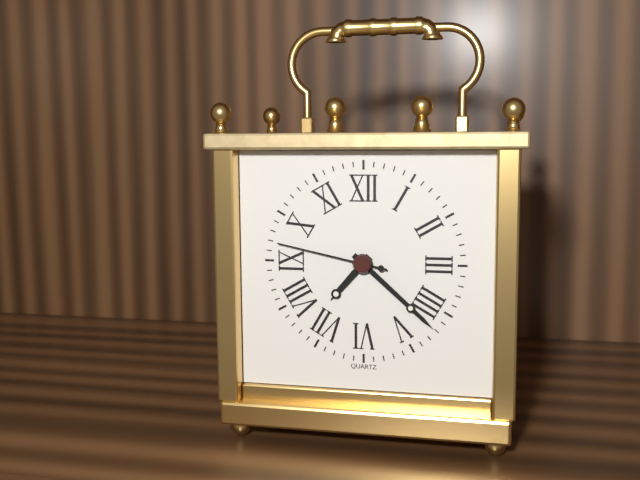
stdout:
7h22m47s
